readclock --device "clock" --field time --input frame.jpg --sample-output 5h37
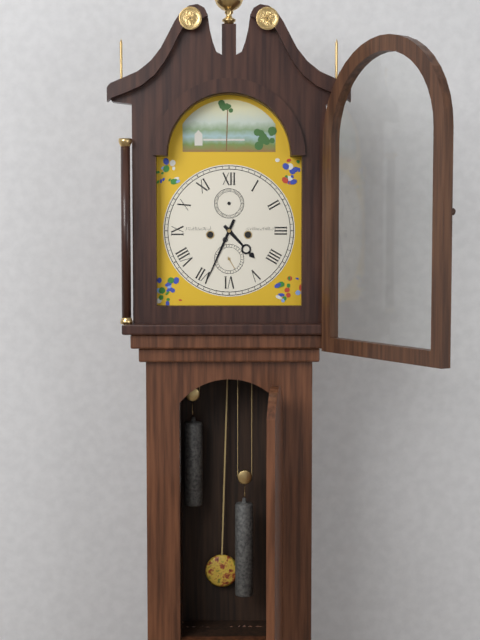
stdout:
4h34
